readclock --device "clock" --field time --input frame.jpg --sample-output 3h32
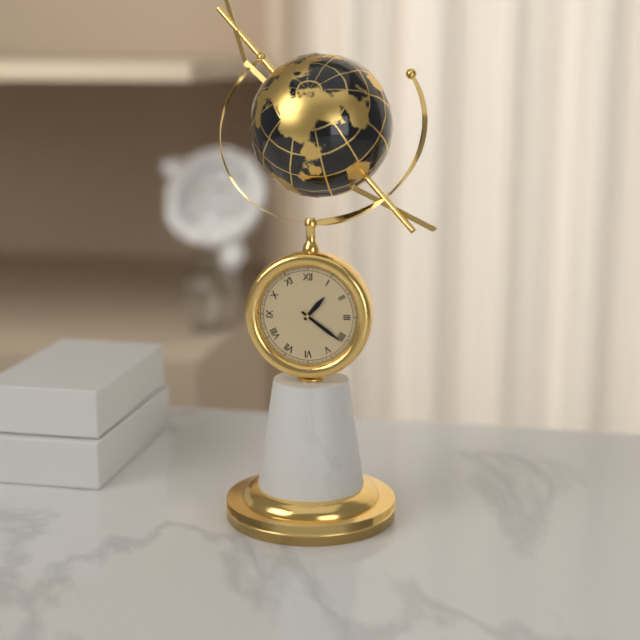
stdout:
1h21
